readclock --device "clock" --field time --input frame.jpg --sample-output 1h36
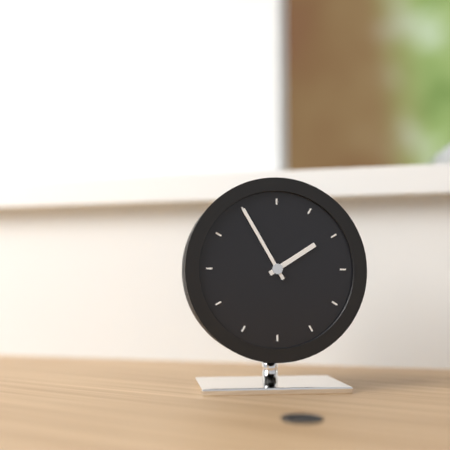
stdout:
1h55
